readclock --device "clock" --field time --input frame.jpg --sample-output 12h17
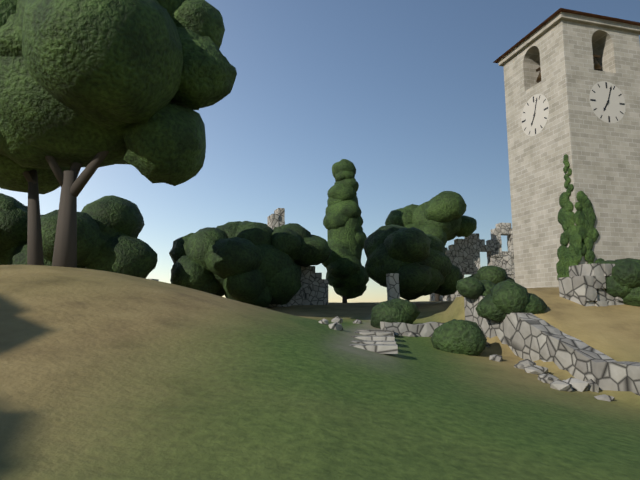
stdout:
7h03
